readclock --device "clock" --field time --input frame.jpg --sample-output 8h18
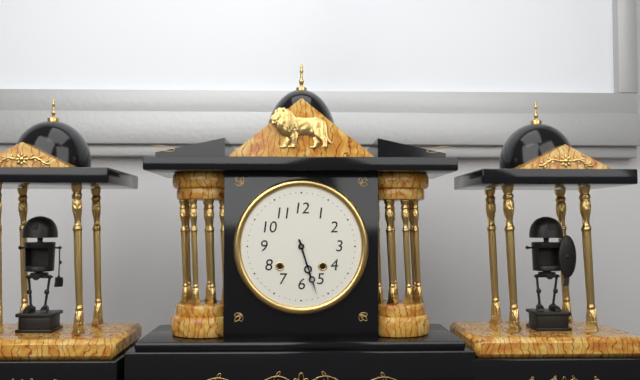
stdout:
5h27
